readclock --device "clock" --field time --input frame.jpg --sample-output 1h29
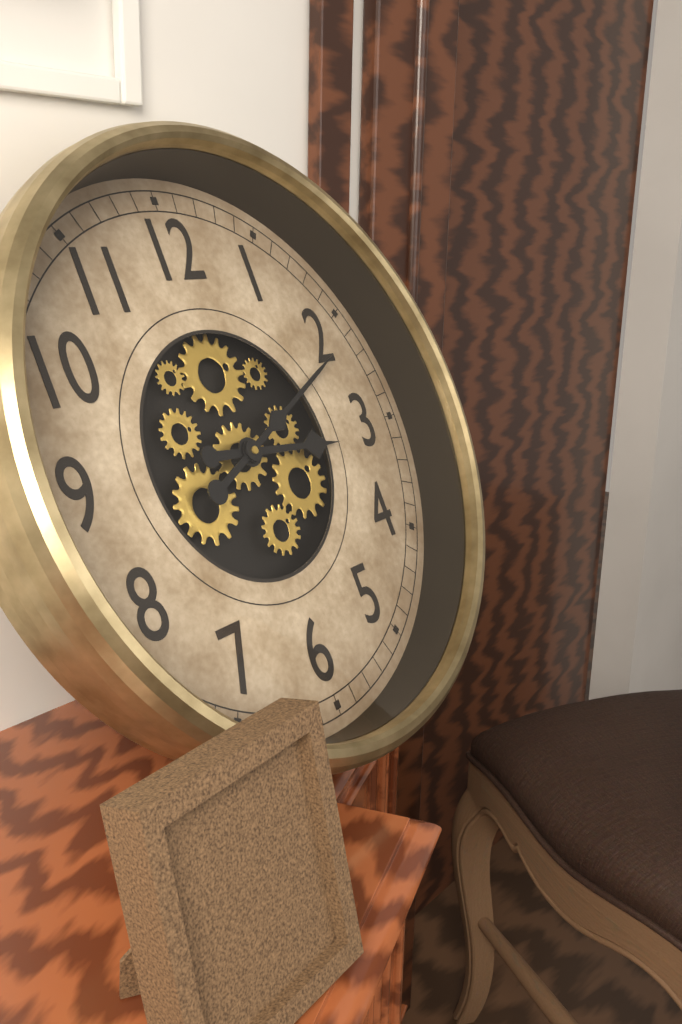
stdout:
3h11
